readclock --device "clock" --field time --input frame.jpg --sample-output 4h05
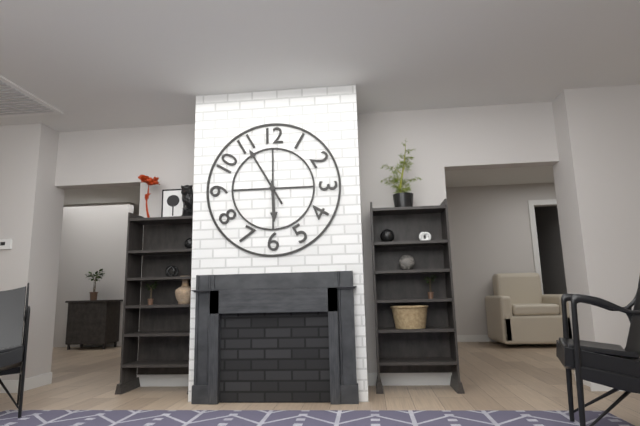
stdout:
5h55
